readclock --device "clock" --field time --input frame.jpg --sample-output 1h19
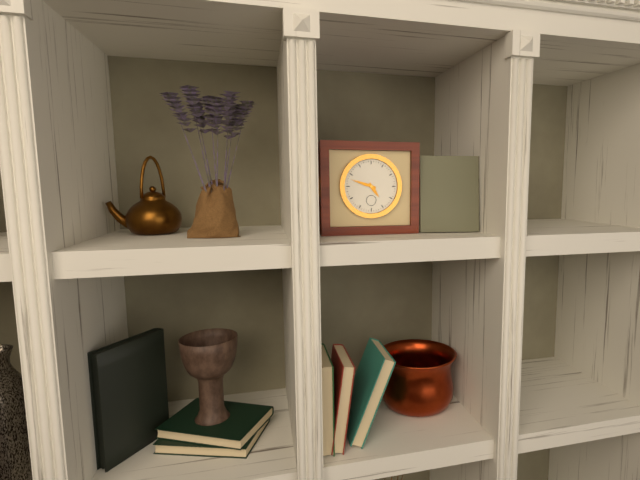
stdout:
4h48
